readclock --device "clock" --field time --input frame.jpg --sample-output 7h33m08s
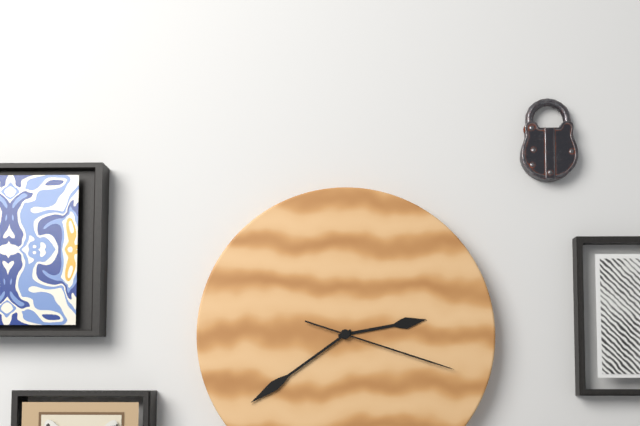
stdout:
2h39m18s
